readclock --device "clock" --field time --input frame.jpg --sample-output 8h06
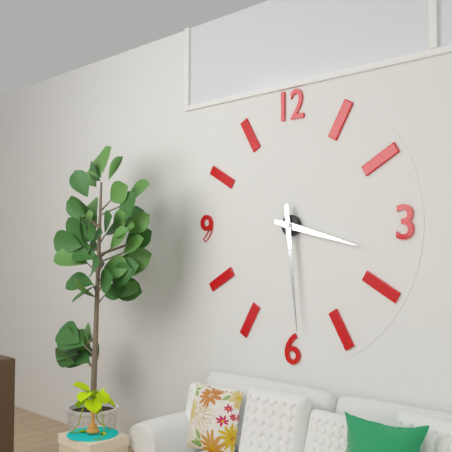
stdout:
3h29
